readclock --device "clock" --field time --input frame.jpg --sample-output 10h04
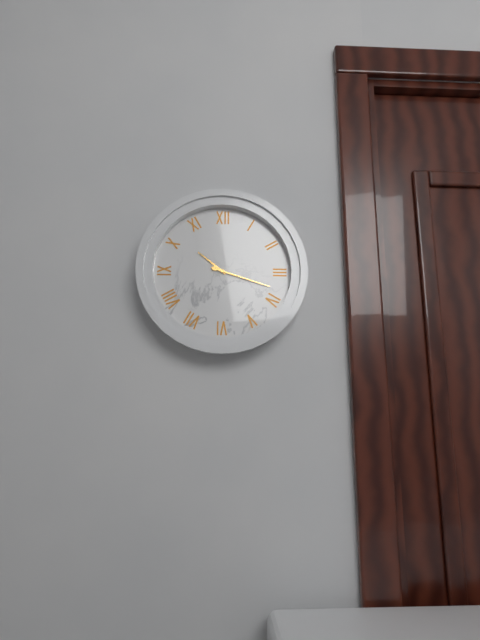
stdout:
10h18
